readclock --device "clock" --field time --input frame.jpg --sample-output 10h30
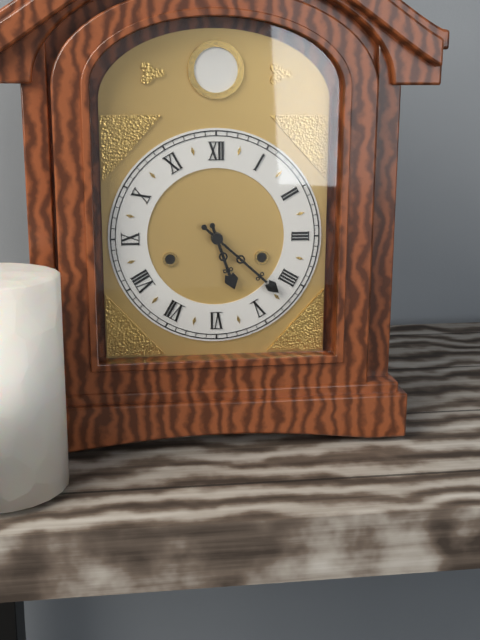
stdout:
5h22
